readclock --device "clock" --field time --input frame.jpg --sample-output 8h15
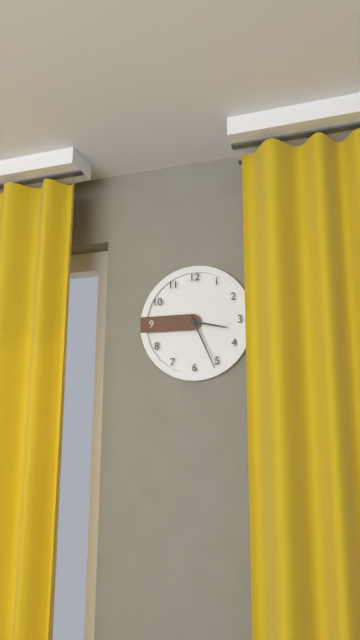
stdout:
3h26
